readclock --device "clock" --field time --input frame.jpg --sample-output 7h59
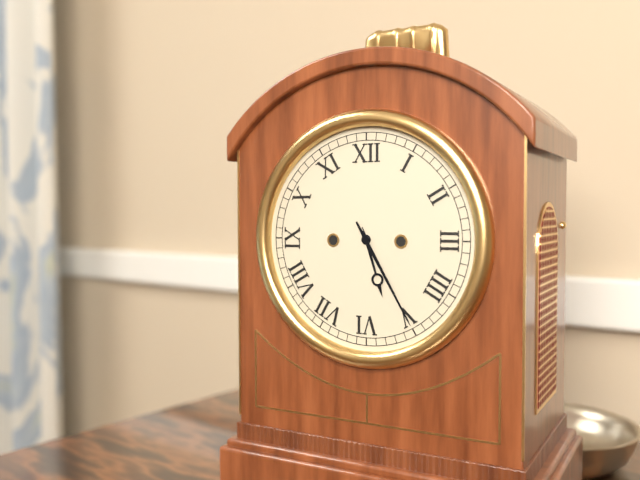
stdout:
5h25
